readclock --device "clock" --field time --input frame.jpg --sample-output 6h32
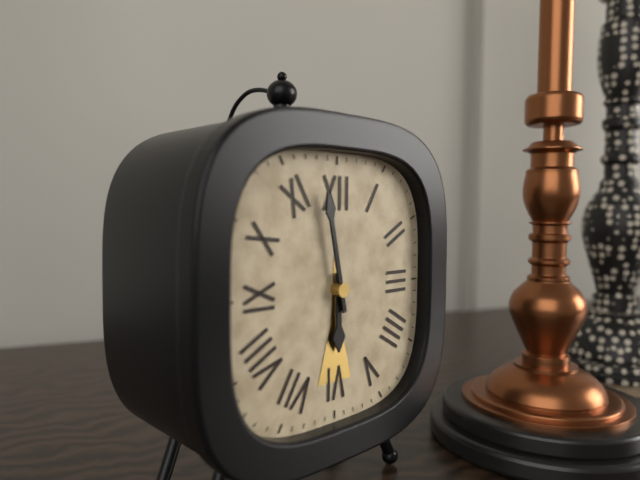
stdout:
5h58
